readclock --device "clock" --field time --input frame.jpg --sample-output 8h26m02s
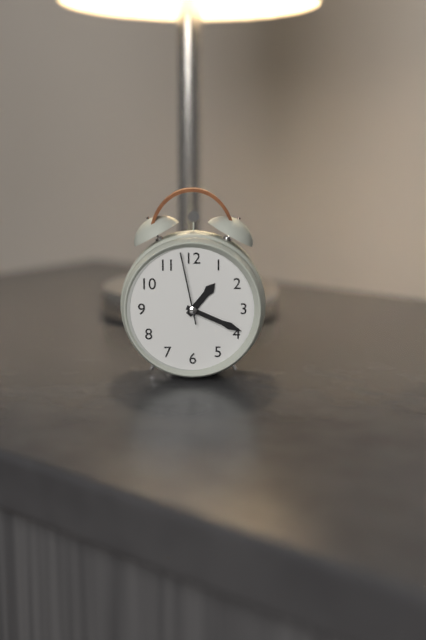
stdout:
1h19m58s
